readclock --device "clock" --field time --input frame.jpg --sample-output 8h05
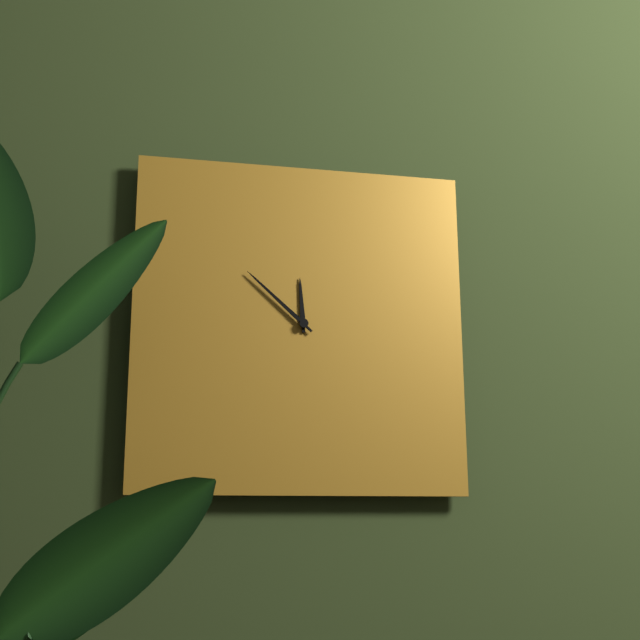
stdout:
11h52
